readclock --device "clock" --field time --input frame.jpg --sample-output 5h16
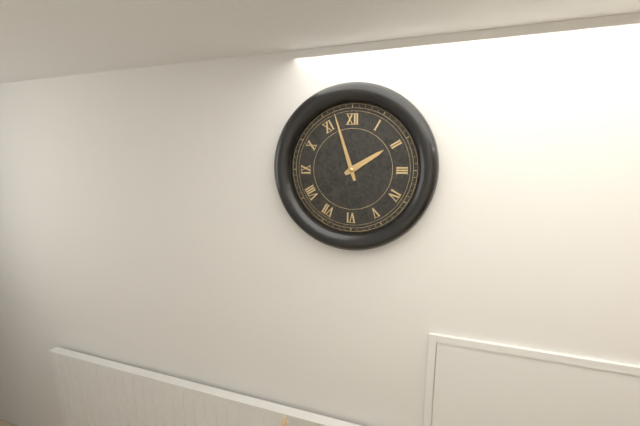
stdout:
1h57
